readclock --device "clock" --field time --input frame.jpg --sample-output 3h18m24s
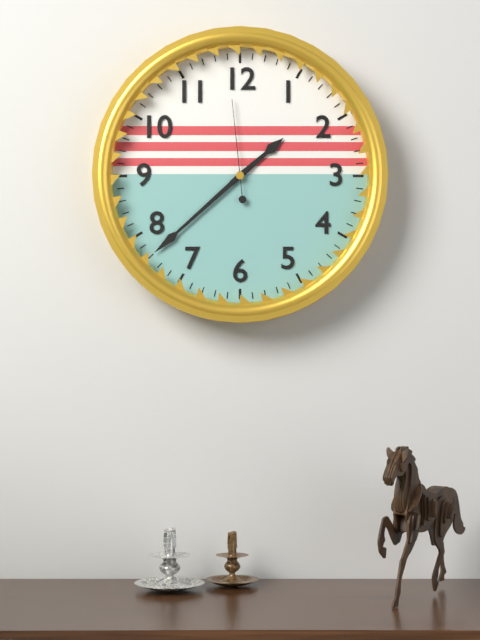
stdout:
1h38m59s
